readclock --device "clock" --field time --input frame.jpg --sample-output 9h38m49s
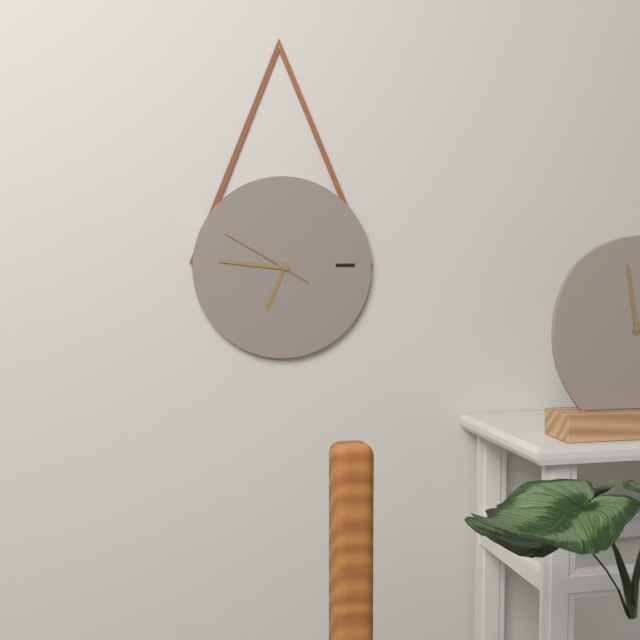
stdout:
6h46m50s
